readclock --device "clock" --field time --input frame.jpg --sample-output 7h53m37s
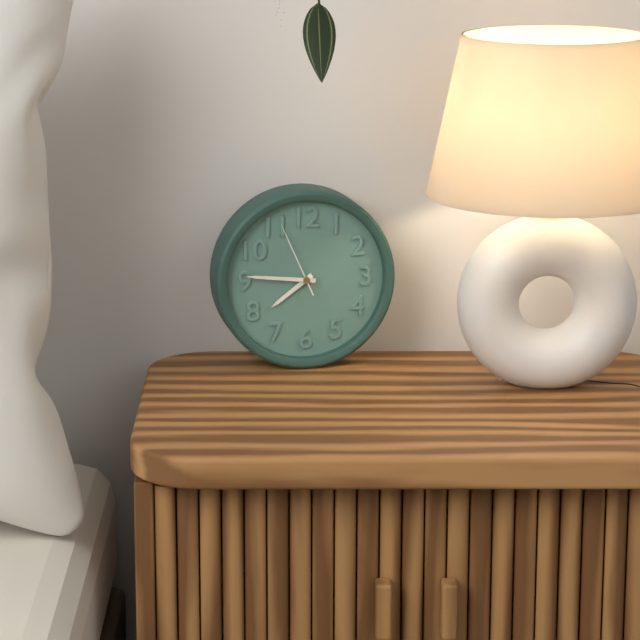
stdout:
7h46m56s
